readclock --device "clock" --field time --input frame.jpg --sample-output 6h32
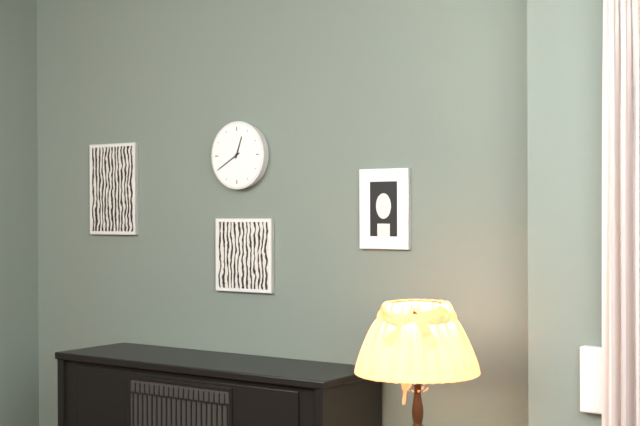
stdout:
12h40
